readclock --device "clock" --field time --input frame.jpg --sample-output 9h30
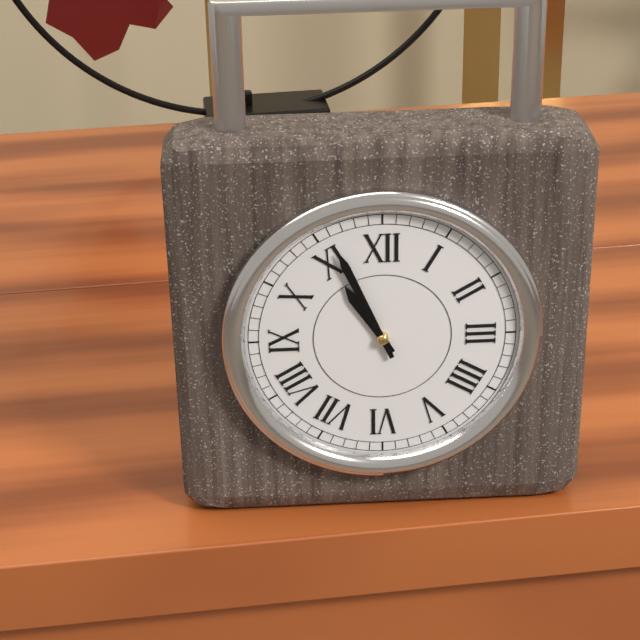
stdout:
10h56
